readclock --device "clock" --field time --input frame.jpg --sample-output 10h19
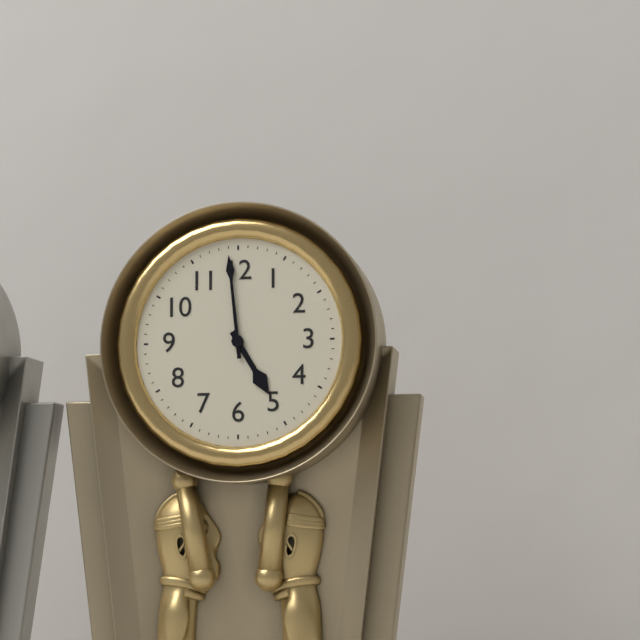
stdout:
4h59
